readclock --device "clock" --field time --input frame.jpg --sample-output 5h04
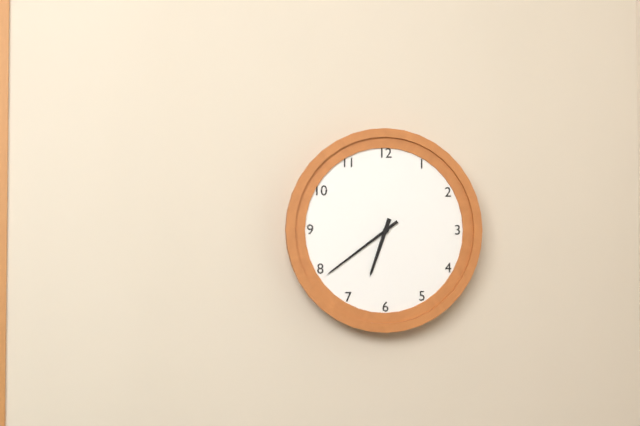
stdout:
6h39
